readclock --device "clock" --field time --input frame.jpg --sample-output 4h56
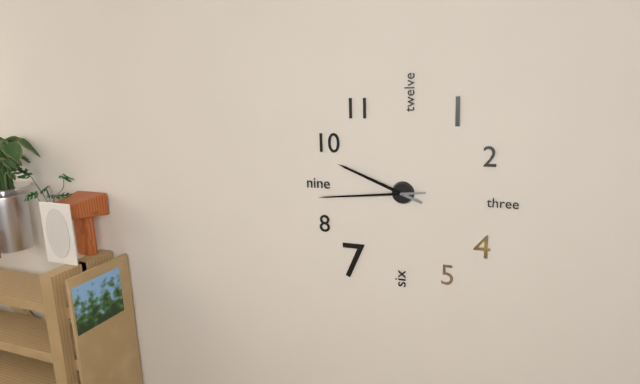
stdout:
9h44
